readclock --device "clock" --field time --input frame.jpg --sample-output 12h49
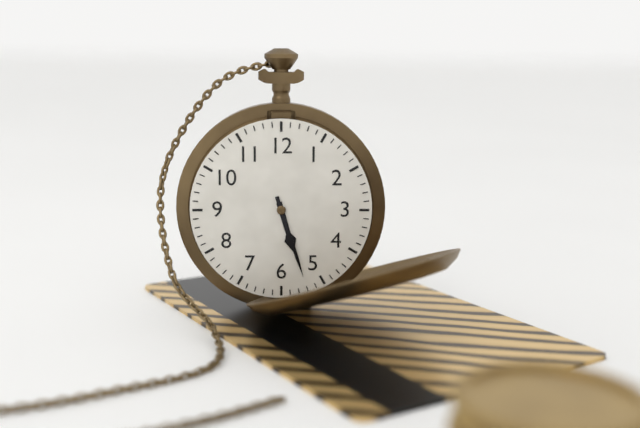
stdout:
5h27
